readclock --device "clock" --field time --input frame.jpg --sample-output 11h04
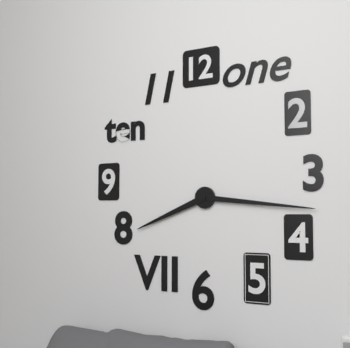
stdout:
8h16
